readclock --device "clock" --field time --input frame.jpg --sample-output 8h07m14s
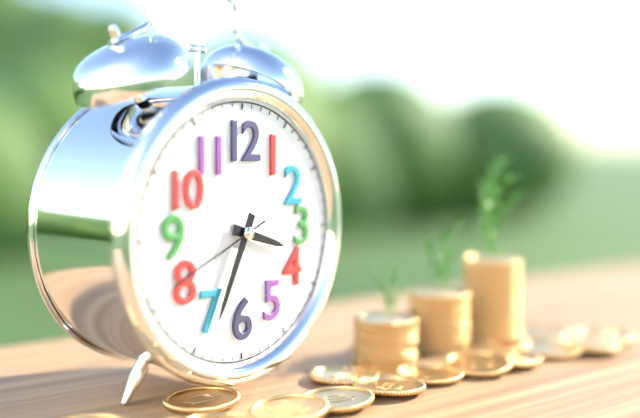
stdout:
3h34m41s
